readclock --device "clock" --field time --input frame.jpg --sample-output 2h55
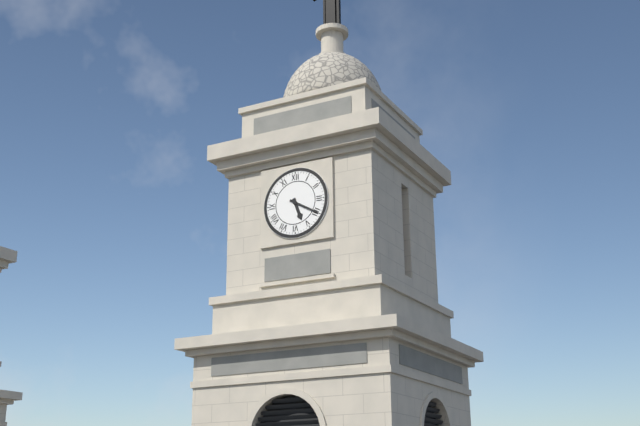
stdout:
5h20
